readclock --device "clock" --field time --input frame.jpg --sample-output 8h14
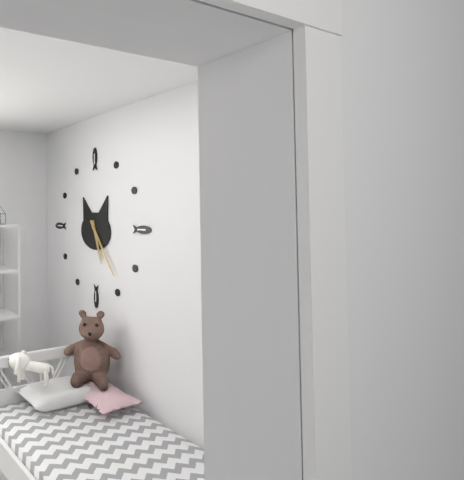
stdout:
5h24
